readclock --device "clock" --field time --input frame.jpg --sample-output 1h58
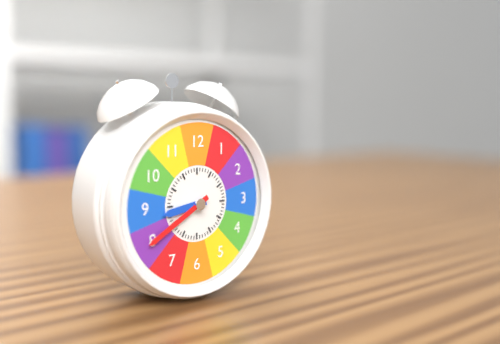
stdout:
8h40
